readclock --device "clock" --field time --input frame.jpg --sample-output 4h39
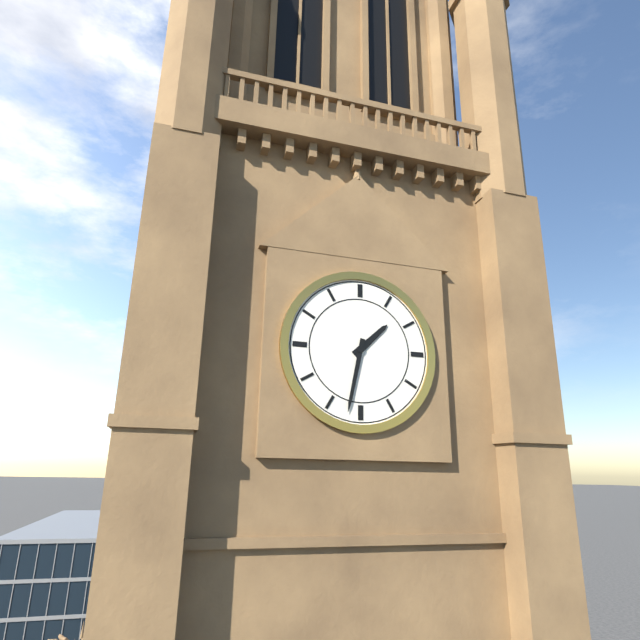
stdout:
1h32
